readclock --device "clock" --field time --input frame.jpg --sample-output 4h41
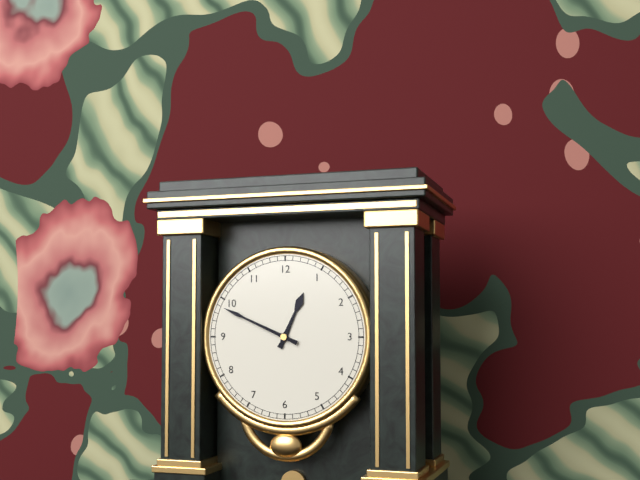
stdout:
12h49
